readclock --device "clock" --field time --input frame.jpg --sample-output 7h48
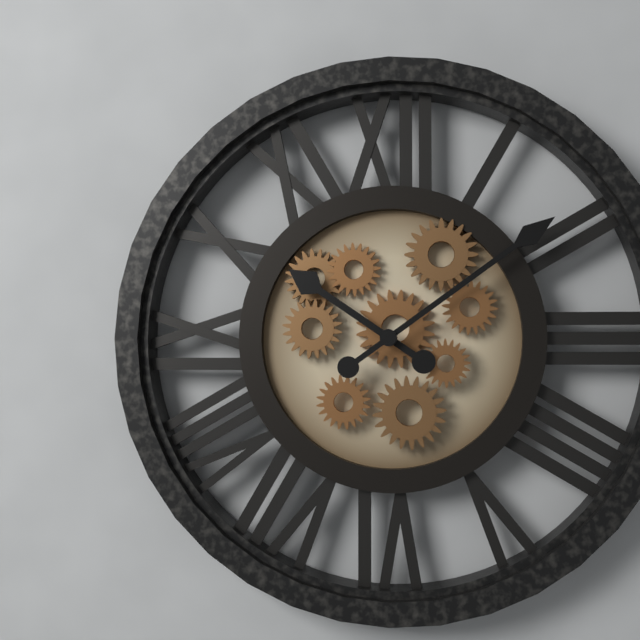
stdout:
10h09
